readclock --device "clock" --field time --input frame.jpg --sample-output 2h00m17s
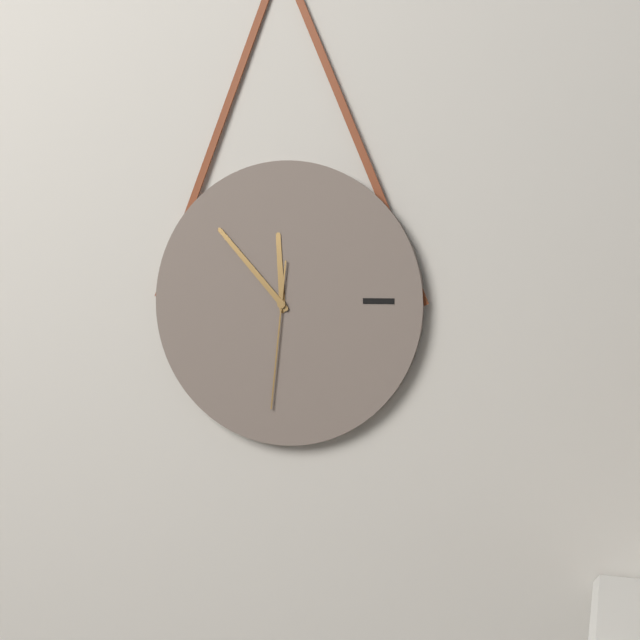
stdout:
11h53m31s
